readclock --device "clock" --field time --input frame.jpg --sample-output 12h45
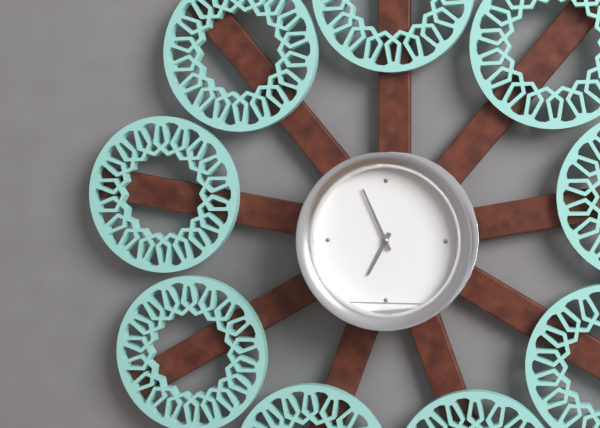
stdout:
6h56
